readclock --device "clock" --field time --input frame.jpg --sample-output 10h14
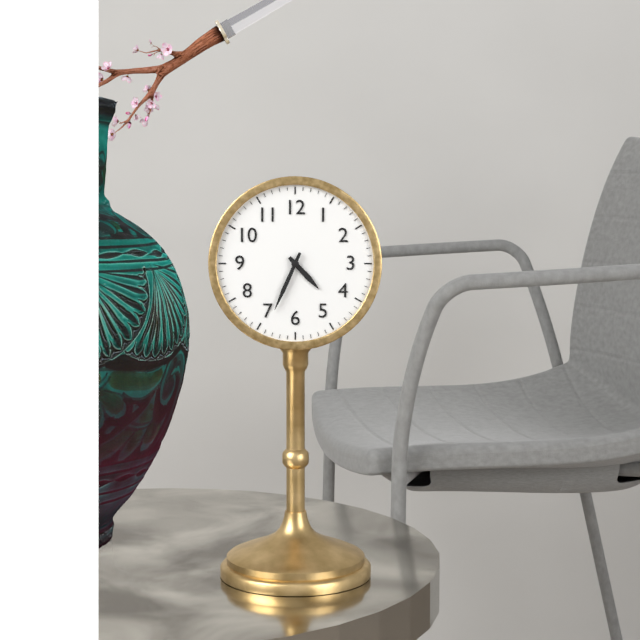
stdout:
4h34
